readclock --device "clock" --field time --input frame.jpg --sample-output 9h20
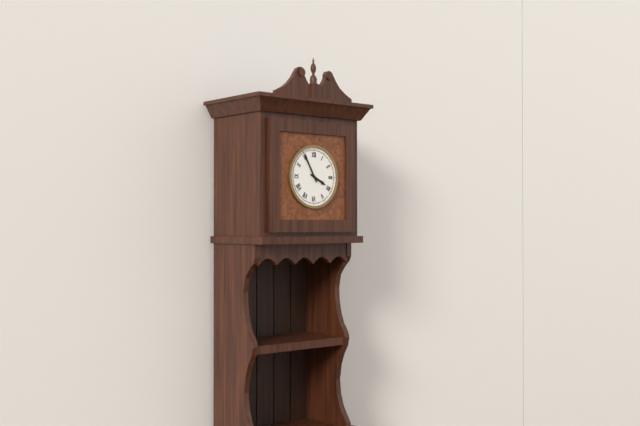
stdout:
3h55
